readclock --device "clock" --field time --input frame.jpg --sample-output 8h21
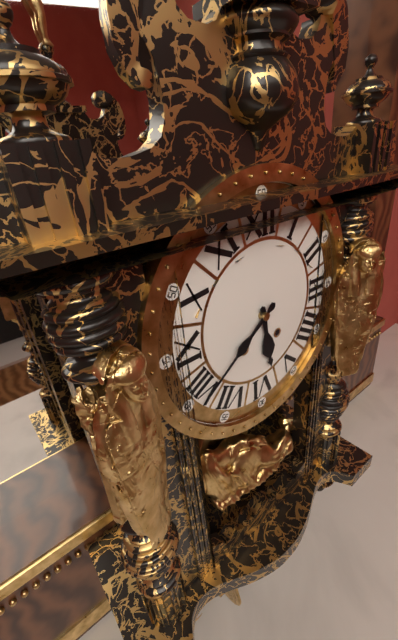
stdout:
5h39
